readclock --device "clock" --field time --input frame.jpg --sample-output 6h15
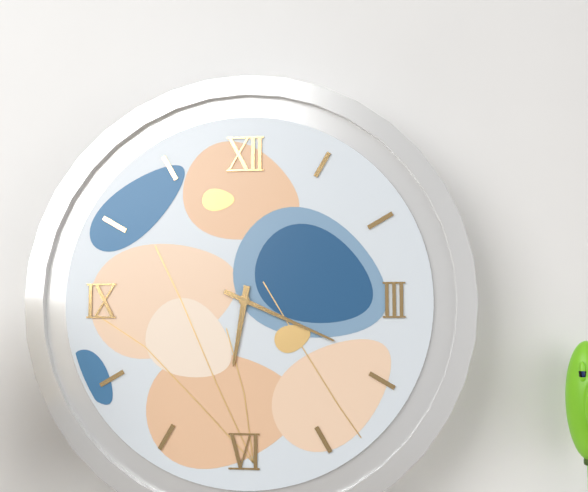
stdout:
6h19
